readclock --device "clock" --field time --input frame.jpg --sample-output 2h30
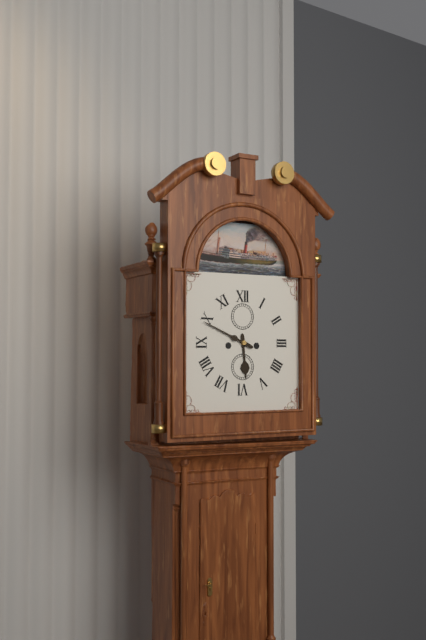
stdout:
5h49
